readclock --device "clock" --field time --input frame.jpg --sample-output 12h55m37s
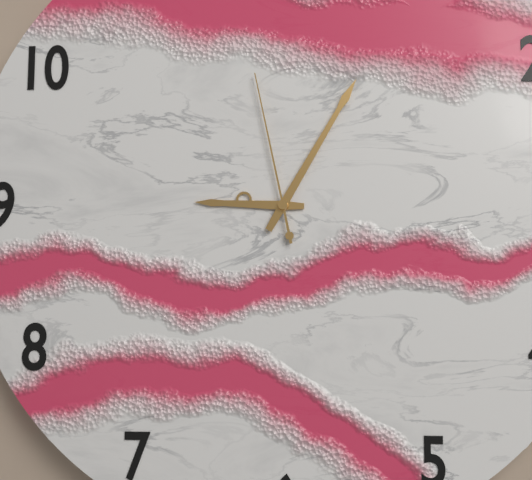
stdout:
9h05m58s
